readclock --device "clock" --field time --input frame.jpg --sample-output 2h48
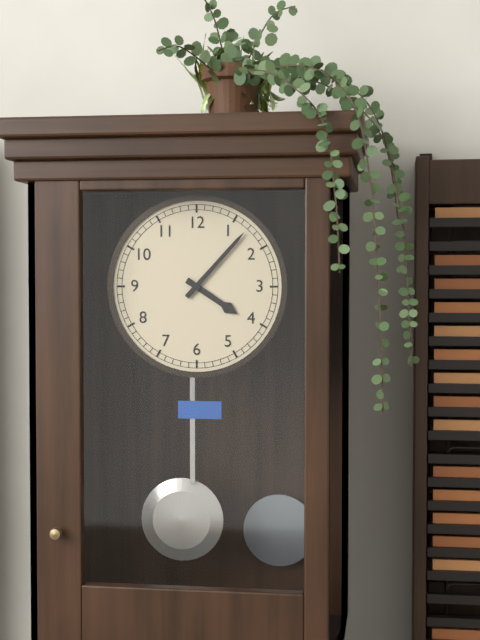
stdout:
4h07
